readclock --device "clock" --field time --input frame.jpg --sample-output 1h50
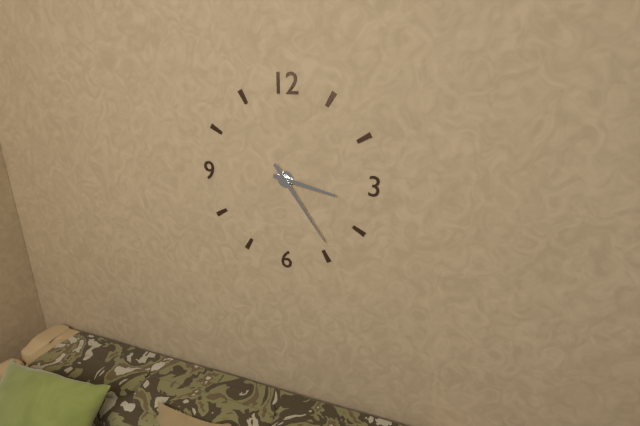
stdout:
3h24
